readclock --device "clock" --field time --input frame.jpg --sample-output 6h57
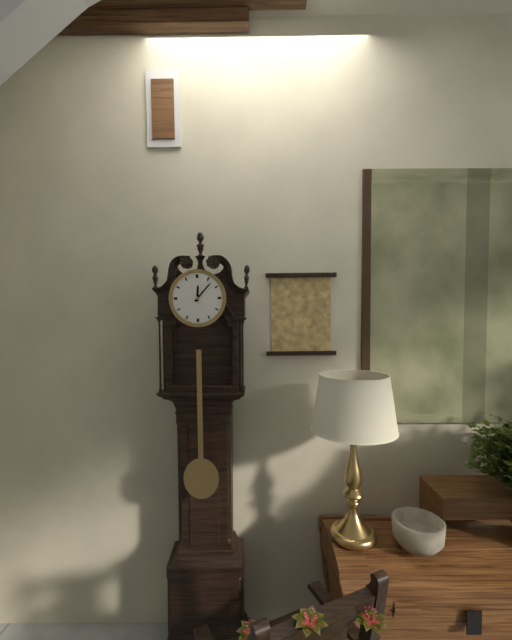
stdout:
12h07
